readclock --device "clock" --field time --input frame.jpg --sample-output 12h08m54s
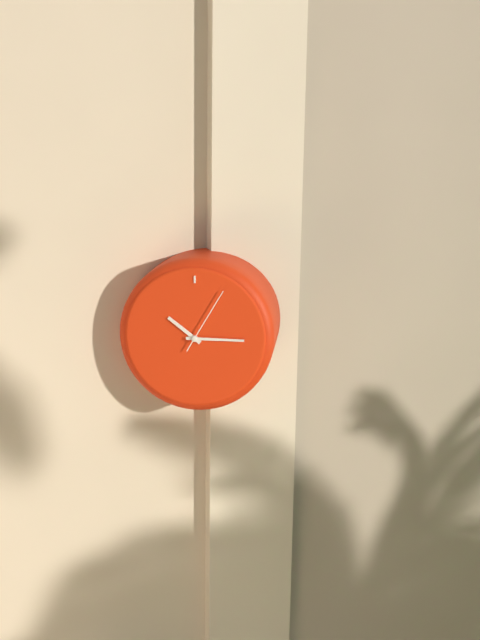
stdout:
10h15m05s
